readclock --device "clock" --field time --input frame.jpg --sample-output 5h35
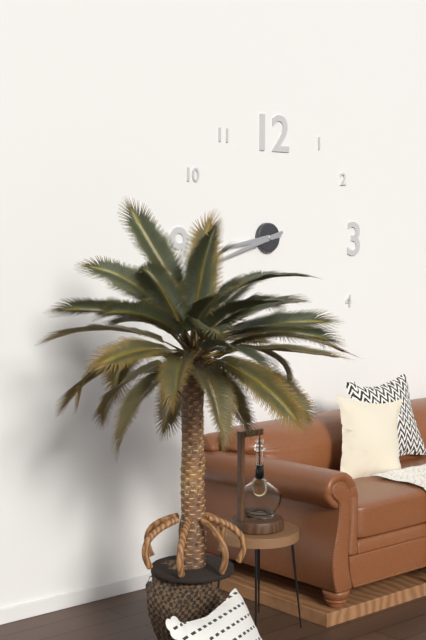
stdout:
8h42
